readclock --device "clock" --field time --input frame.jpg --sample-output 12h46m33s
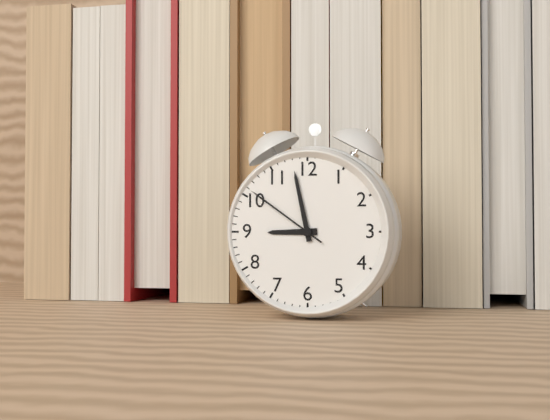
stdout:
8h58m51s
